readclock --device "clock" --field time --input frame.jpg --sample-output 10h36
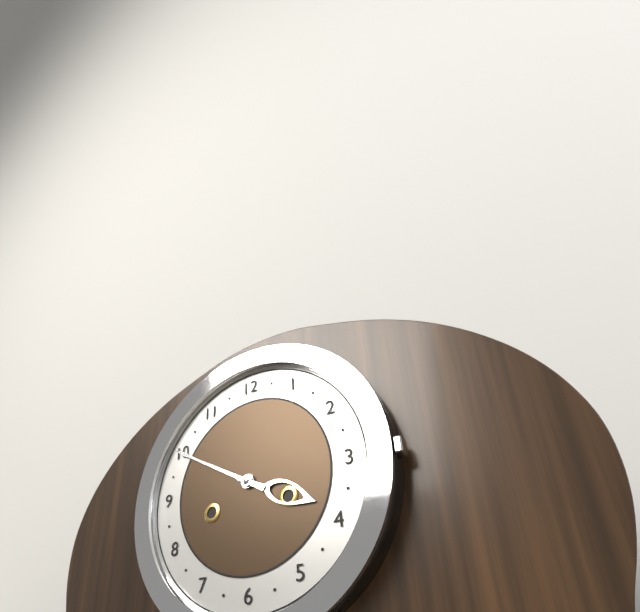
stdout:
3h50
